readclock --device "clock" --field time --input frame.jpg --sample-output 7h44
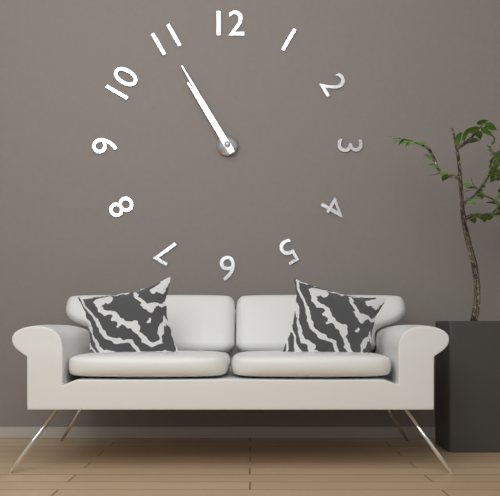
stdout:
10h55
